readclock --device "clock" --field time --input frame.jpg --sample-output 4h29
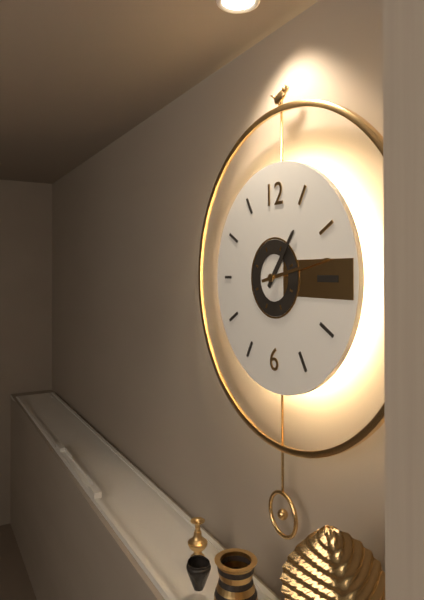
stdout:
1h13
